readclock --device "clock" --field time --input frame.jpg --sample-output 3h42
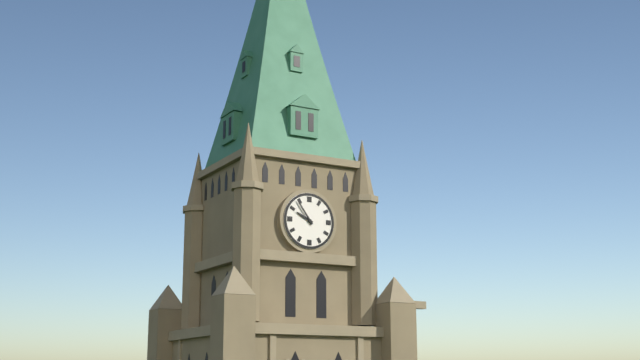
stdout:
9h54
